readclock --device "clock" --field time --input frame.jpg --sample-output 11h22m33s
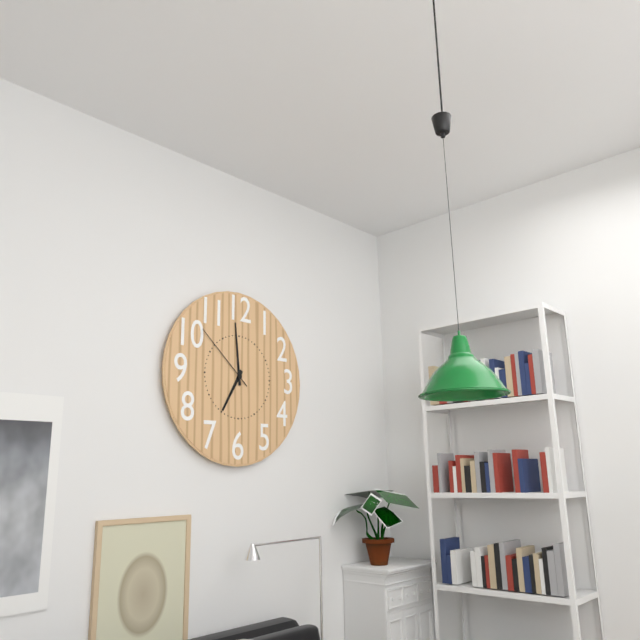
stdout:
6h59m52s
